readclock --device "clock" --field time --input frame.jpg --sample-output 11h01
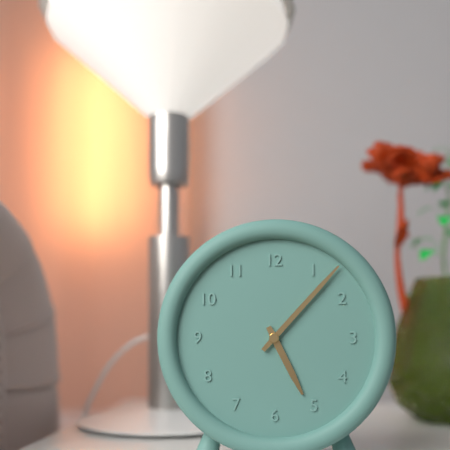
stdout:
5h07
